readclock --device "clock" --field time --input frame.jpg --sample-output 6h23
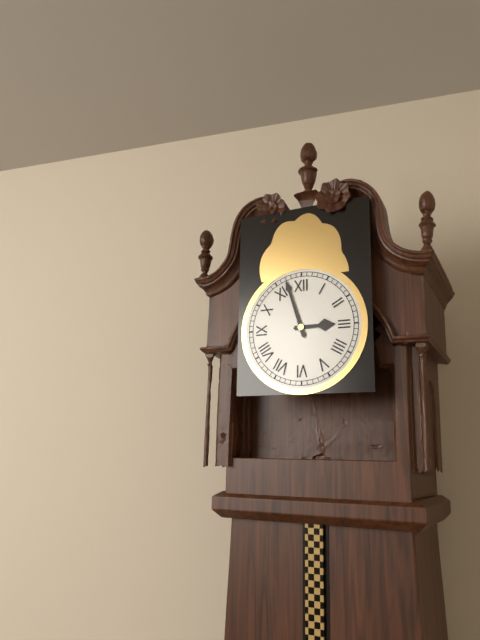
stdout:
2h57
